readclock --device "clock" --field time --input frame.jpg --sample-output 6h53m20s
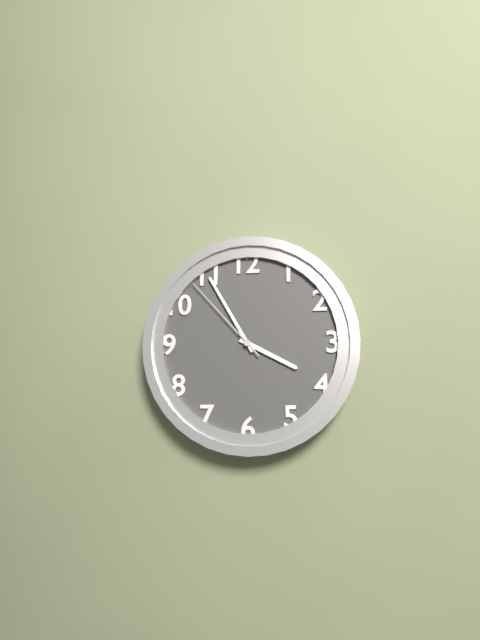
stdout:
3h55m53s
